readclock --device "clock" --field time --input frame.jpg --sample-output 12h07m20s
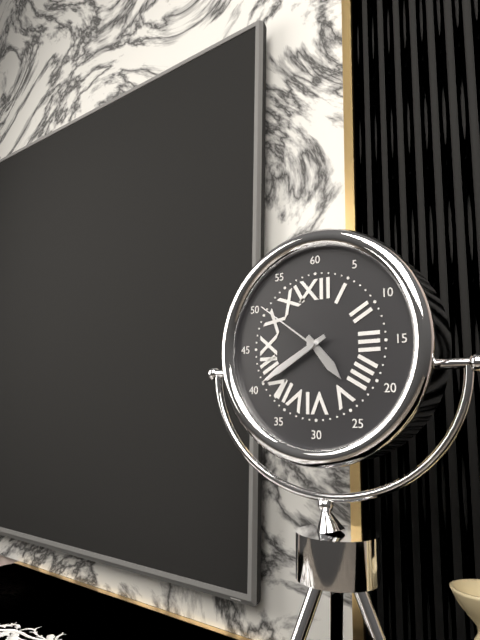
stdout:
4h40m51s
